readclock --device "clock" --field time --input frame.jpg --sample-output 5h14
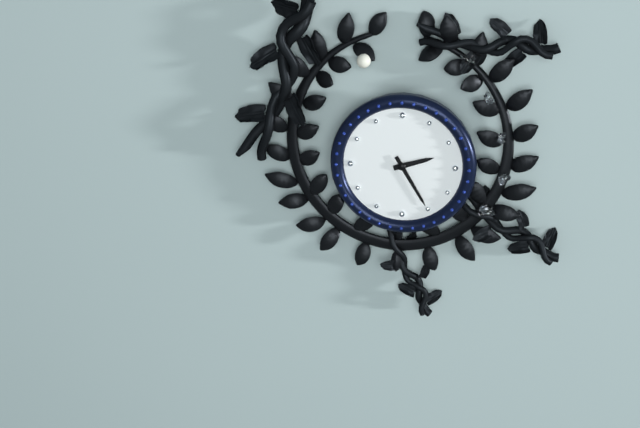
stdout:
2h25
